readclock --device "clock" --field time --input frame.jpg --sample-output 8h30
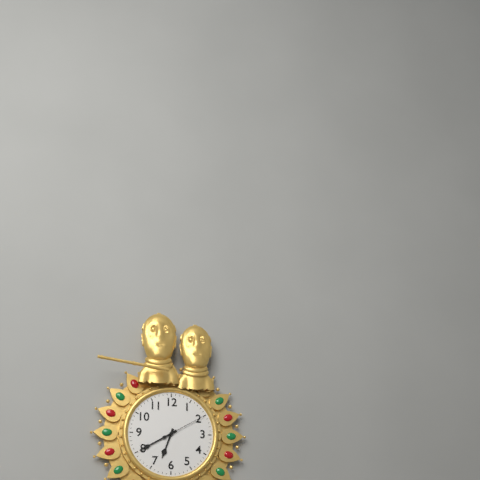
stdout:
6h40
